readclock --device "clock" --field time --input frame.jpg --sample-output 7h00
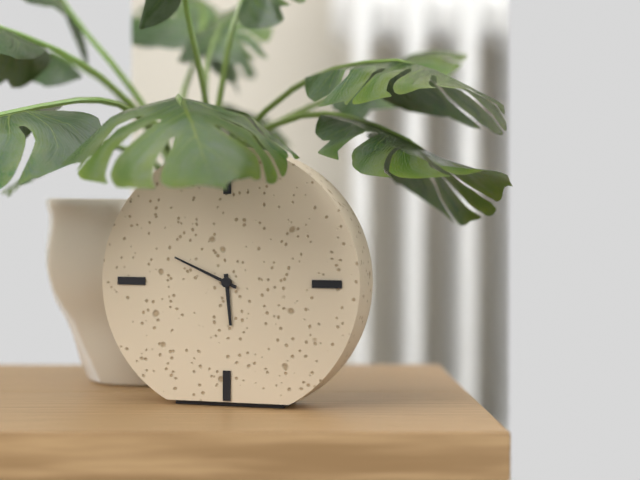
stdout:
5h49
